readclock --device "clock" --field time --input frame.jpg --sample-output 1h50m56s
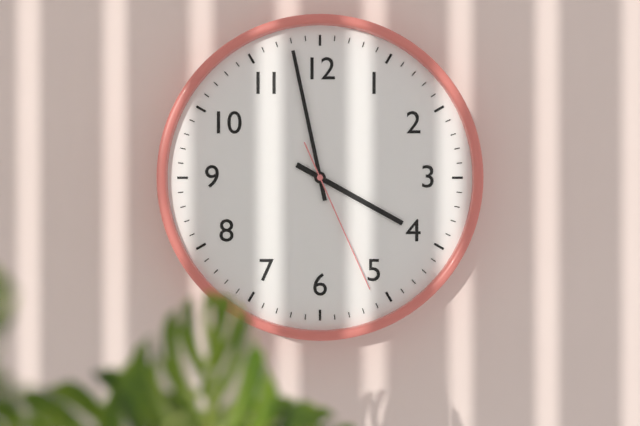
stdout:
3h58m26s
